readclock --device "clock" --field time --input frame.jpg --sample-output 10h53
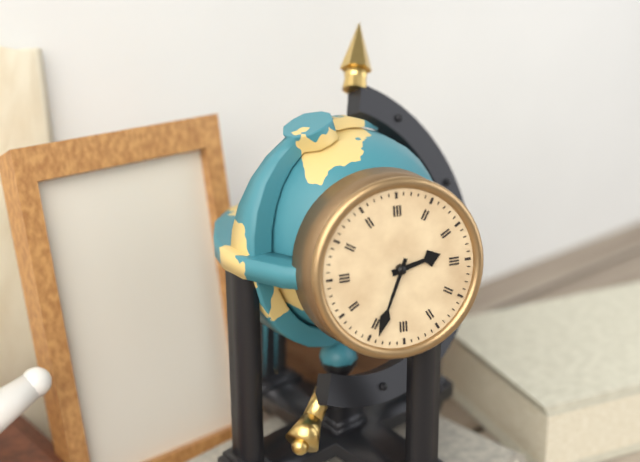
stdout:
2h34
